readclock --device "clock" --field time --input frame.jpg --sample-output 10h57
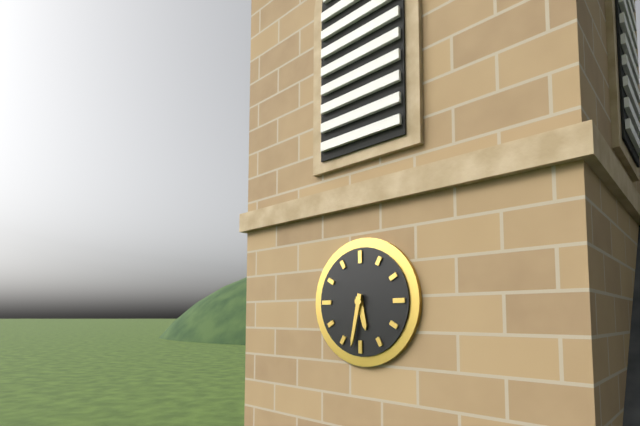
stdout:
5h32
